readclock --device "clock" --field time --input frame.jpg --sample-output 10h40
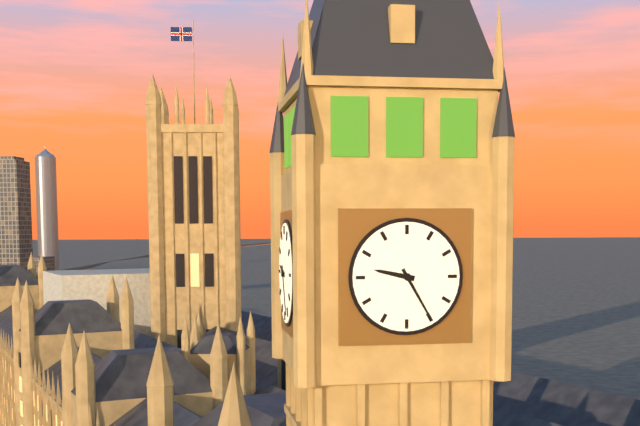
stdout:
9h25
